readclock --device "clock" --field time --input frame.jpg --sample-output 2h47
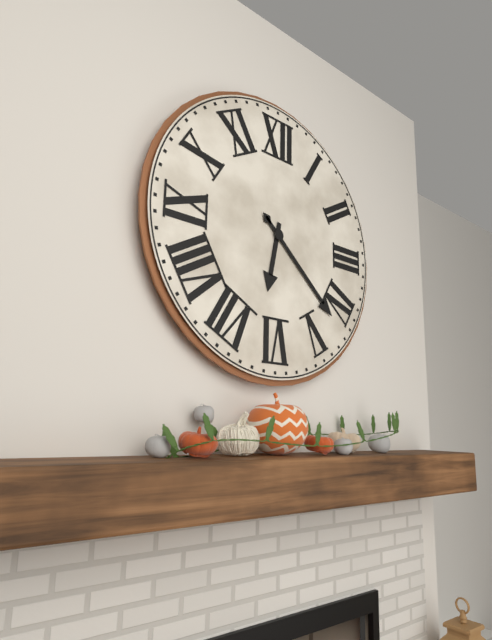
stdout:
6h22
